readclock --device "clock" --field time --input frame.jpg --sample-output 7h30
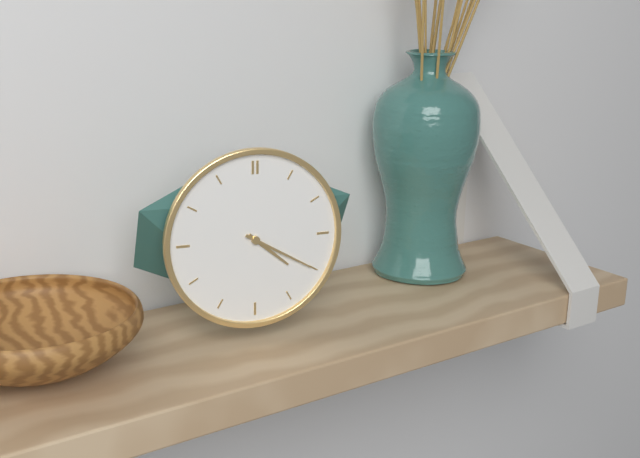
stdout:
4h20
